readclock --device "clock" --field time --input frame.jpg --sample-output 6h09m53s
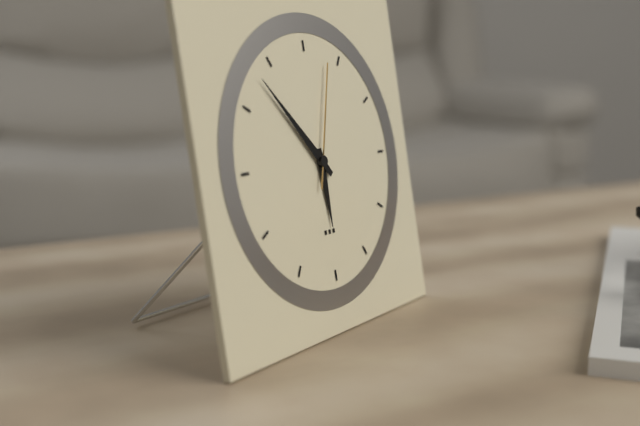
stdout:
5h53m03s
